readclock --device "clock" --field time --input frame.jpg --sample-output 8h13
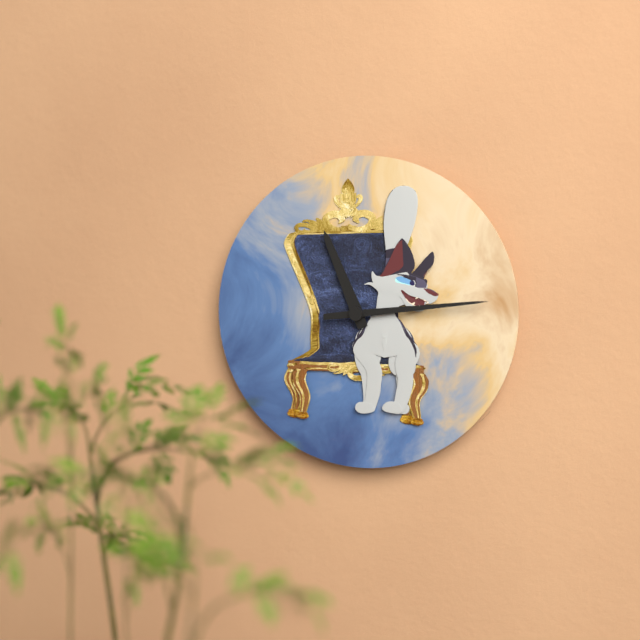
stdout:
11h14
